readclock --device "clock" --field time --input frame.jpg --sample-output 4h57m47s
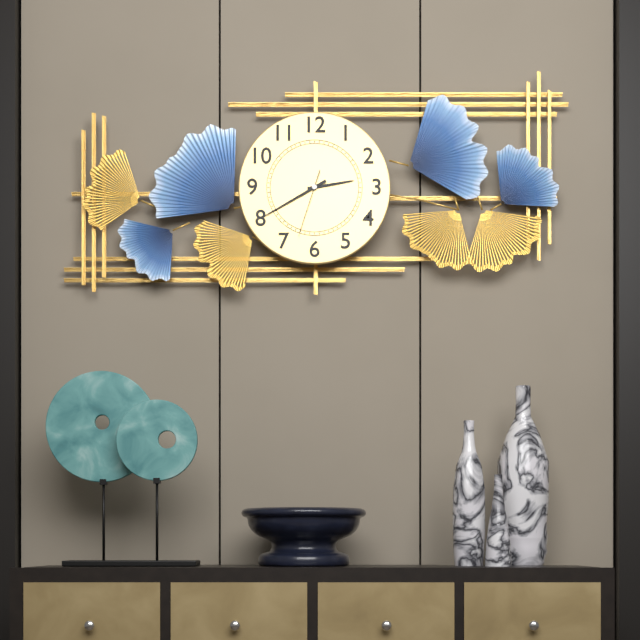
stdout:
2h40m33s
